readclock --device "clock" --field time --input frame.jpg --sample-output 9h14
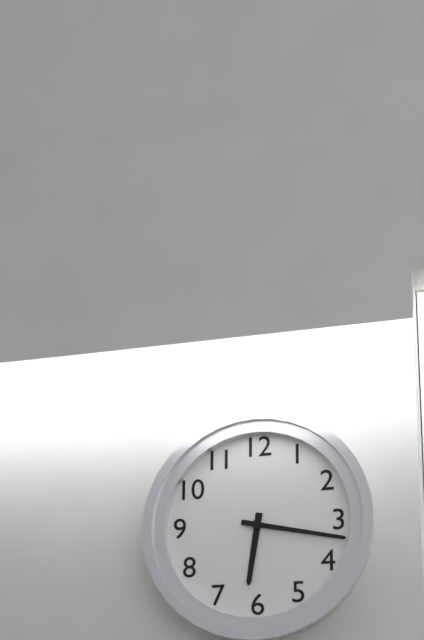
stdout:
6h17
